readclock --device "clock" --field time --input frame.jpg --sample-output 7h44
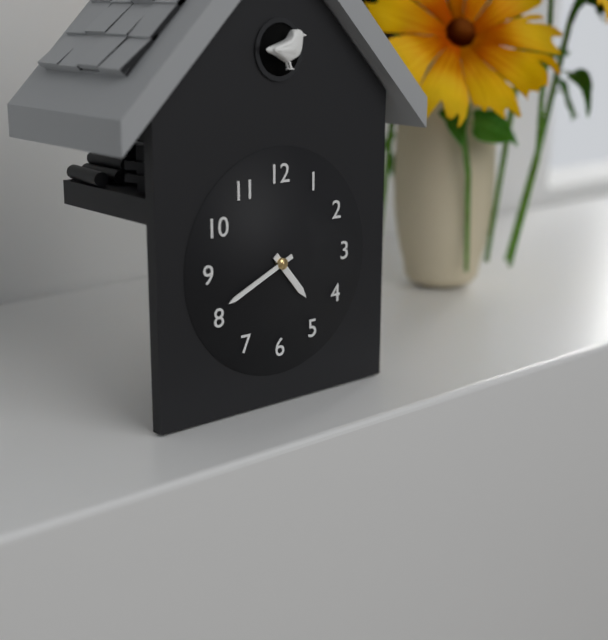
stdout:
4h41
